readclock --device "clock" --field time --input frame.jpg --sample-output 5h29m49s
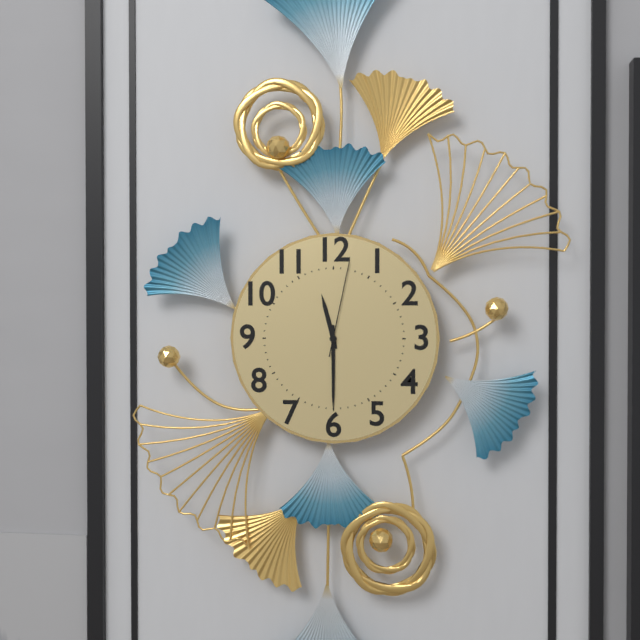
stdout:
11h30m02s
